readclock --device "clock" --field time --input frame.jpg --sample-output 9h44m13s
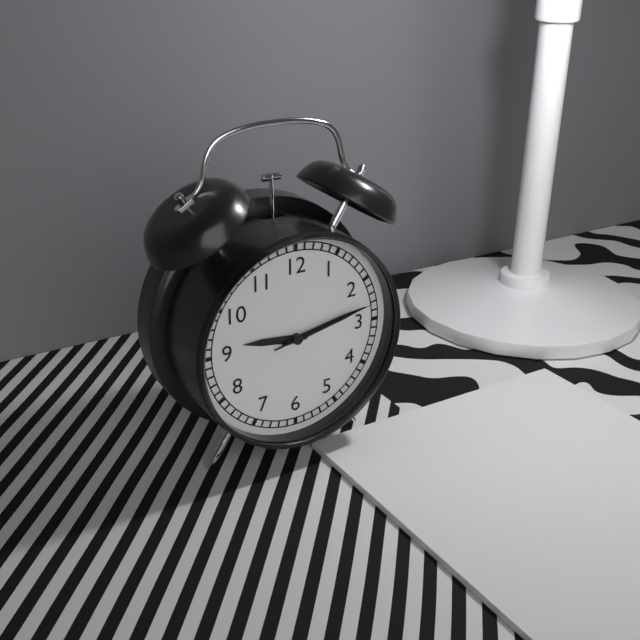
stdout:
9h13m13s
